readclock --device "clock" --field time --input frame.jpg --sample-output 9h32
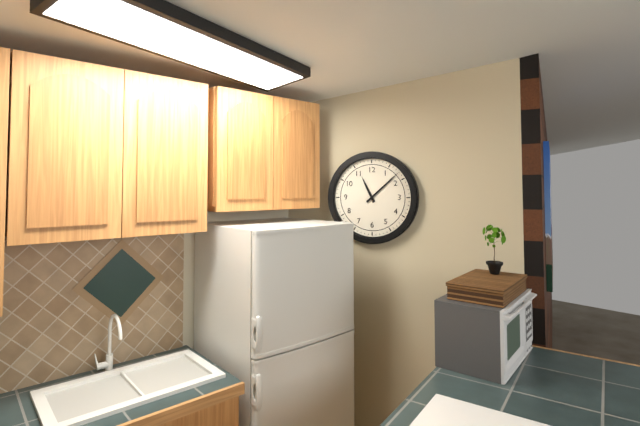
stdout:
11h08
